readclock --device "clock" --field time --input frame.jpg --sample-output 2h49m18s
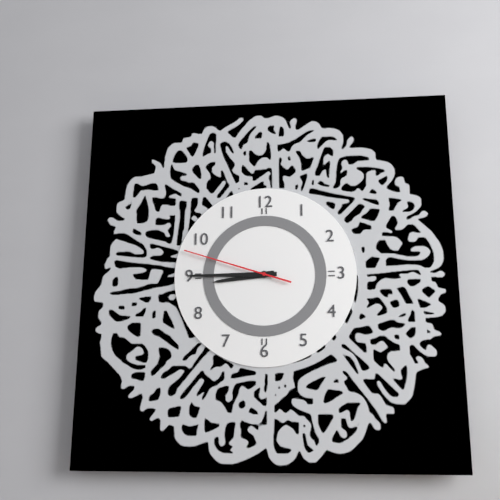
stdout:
8h45m48s
